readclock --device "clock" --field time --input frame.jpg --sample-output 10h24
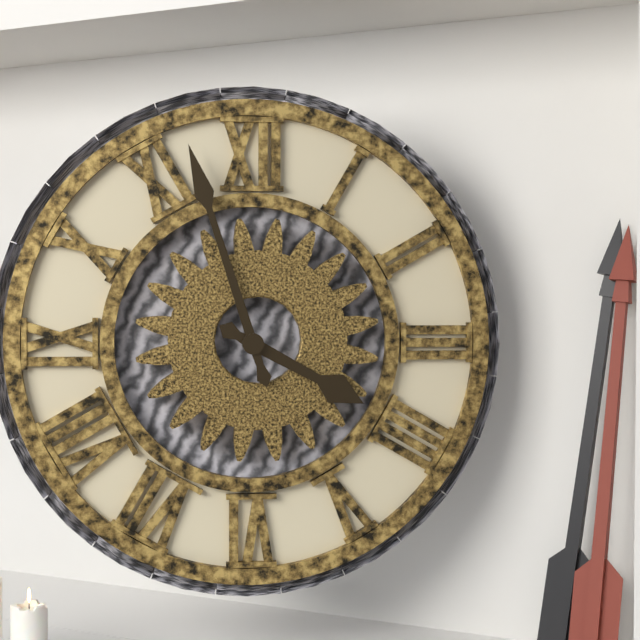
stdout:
3h57
